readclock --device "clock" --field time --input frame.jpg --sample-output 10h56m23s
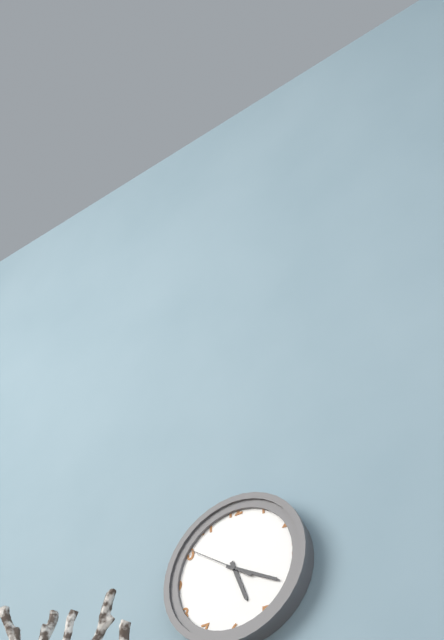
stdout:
5h20m51s
